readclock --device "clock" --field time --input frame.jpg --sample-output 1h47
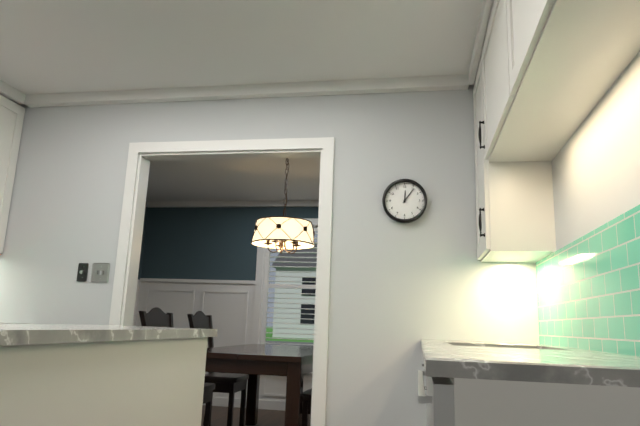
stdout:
12h06
